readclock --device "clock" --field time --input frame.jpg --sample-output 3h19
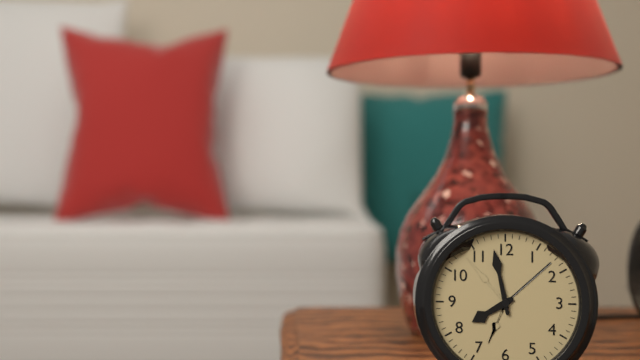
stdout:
7h58
